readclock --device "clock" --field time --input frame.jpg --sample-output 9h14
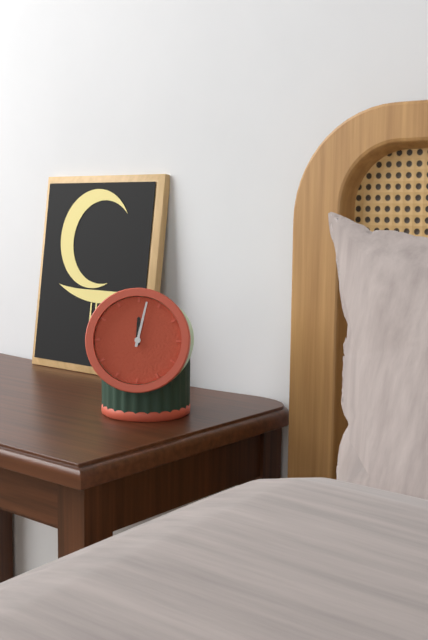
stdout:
12h02
